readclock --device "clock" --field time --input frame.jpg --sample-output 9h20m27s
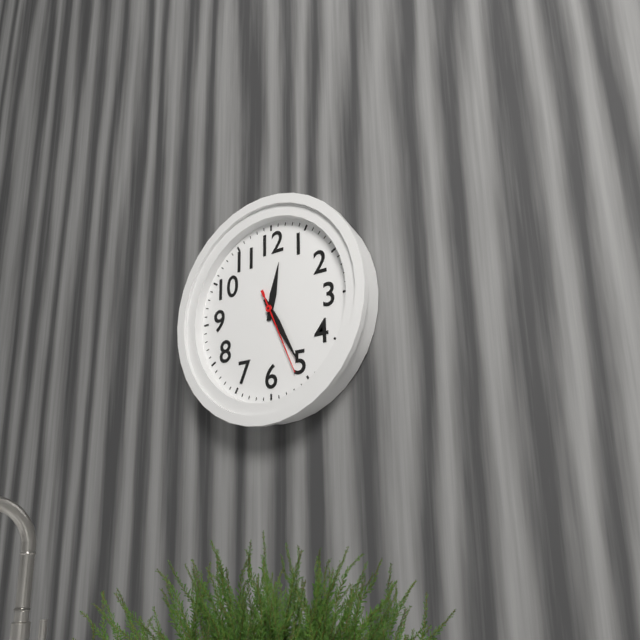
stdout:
12h25m26s
